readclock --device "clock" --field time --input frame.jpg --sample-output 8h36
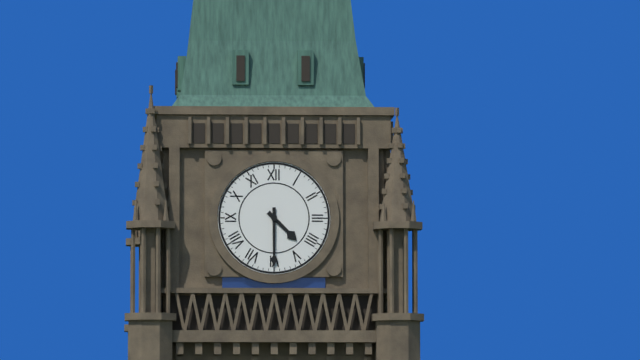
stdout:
4h30
